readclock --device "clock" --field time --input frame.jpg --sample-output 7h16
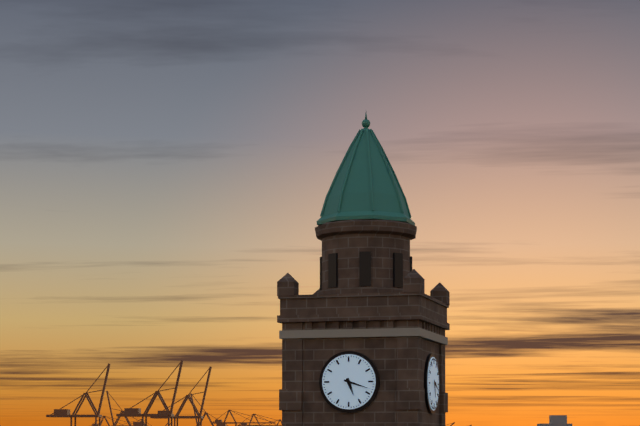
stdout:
5h18
